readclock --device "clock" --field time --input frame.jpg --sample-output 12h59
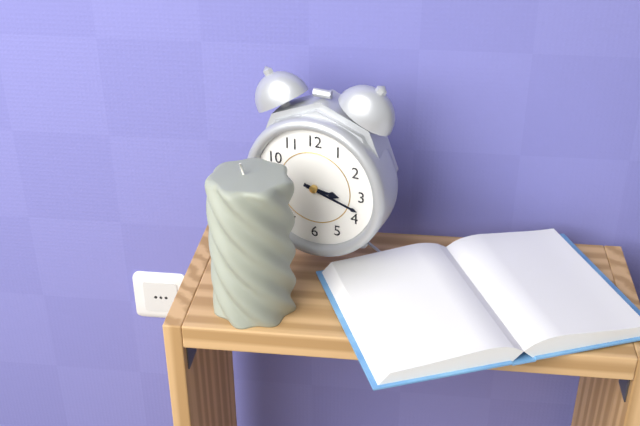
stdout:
3h18
